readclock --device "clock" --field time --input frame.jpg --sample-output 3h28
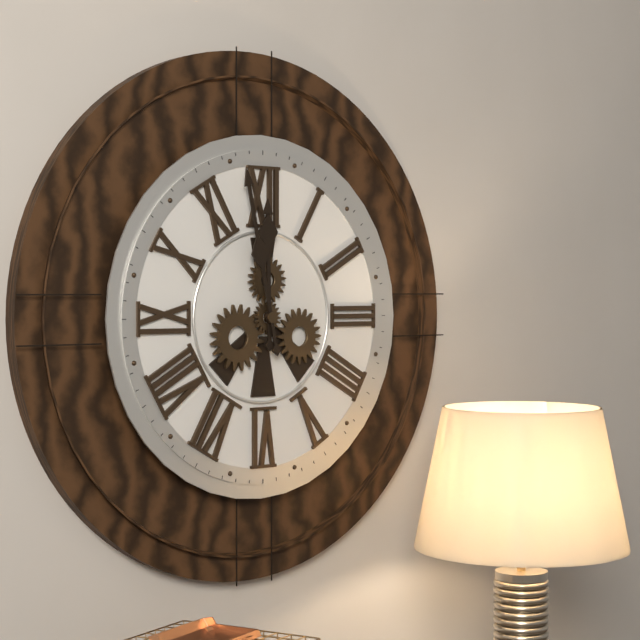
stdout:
11h58
